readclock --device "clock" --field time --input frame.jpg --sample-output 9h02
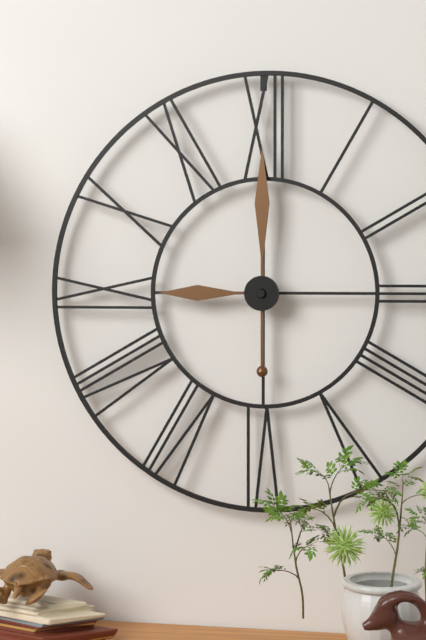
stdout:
9h00
